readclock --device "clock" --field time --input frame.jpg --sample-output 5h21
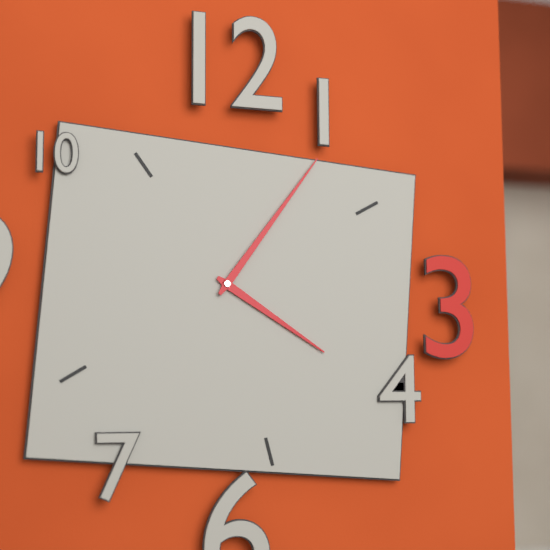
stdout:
4h06
